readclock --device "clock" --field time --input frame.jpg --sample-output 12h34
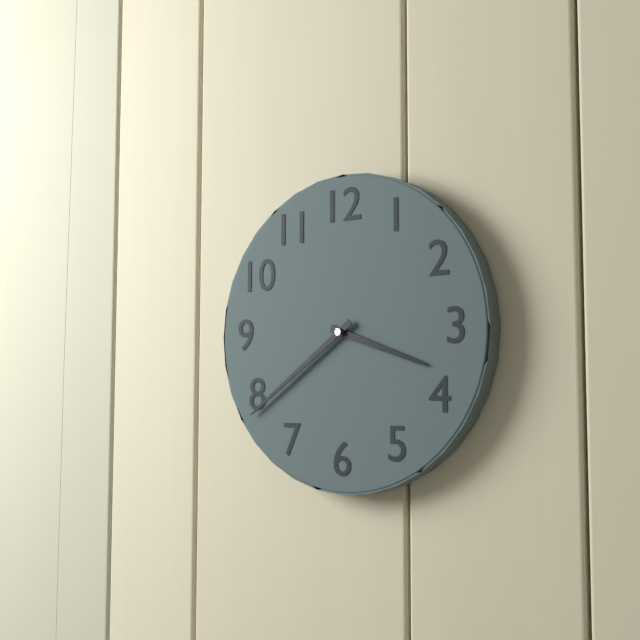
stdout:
3h39
